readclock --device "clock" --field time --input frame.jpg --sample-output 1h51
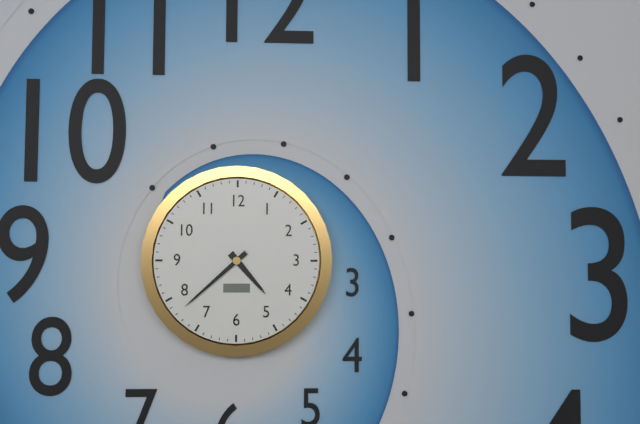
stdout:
4h38
